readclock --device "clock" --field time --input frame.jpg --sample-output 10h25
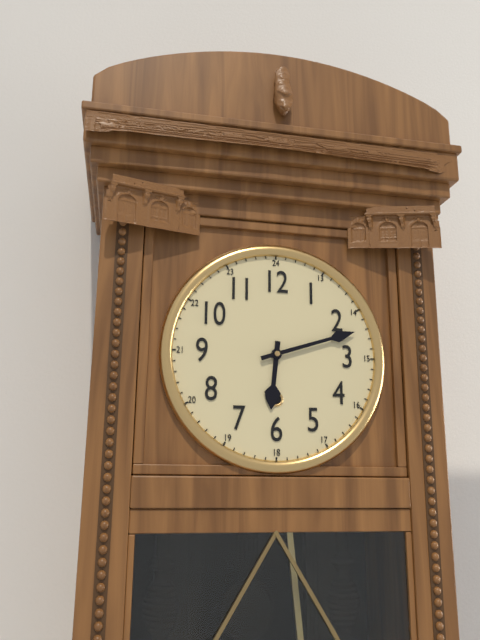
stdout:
6h12
